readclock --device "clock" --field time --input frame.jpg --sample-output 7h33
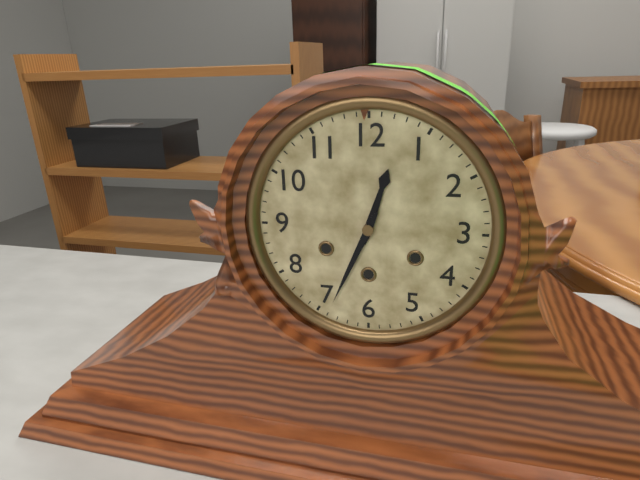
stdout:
12h34
